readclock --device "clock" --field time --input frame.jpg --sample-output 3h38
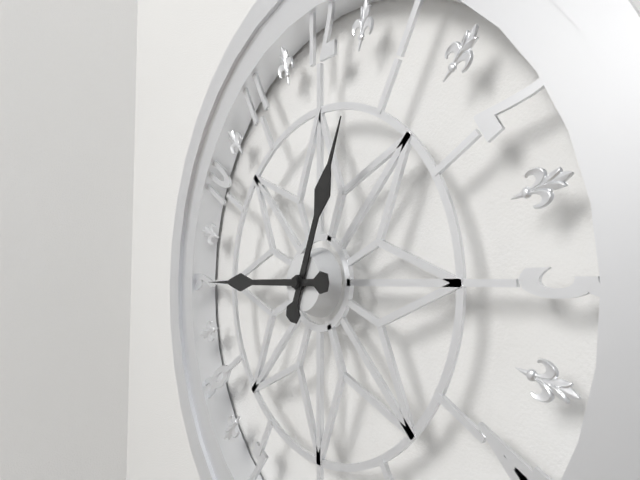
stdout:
12h45
